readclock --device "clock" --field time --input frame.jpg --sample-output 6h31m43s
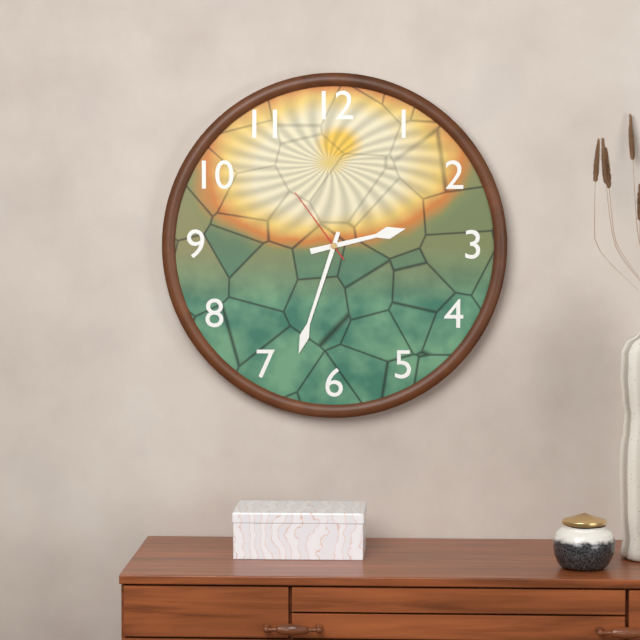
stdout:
2h33m54s
